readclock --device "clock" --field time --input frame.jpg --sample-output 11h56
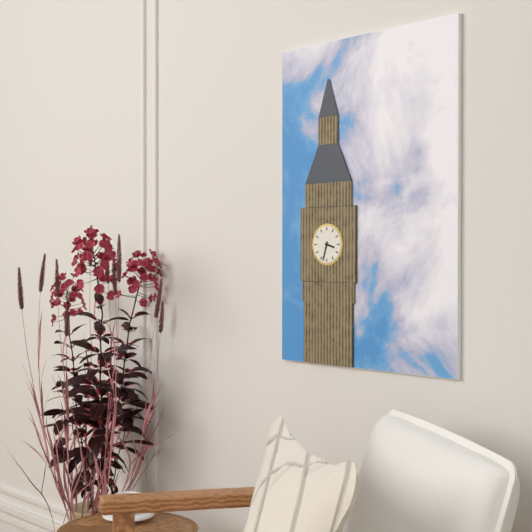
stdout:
3h33
